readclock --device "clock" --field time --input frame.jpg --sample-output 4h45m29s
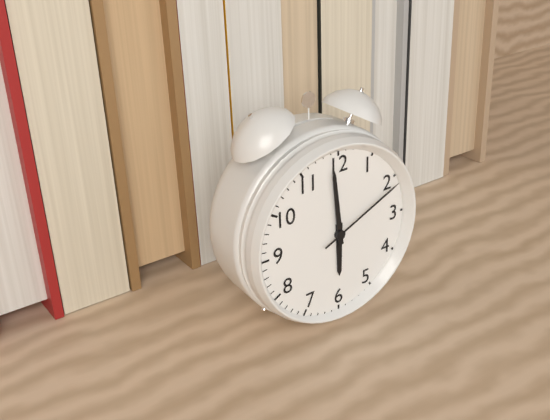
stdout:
5h59m11s
